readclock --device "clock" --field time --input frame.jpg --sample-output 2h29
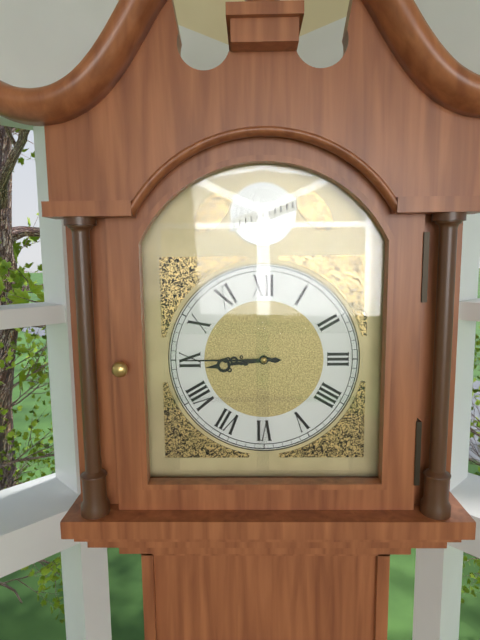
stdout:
8h45
